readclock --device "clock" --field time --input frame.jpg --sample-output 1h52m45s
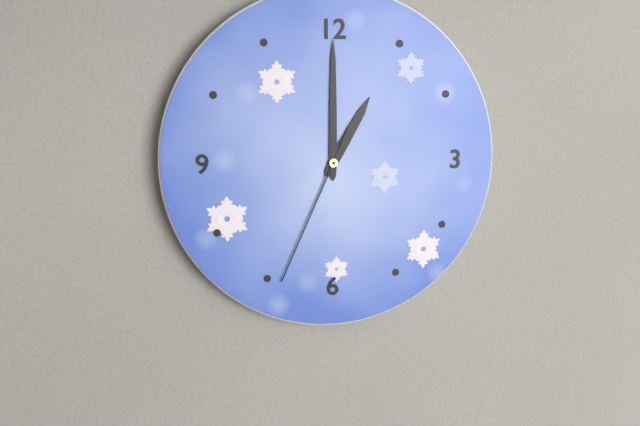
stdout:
1h00m34s
